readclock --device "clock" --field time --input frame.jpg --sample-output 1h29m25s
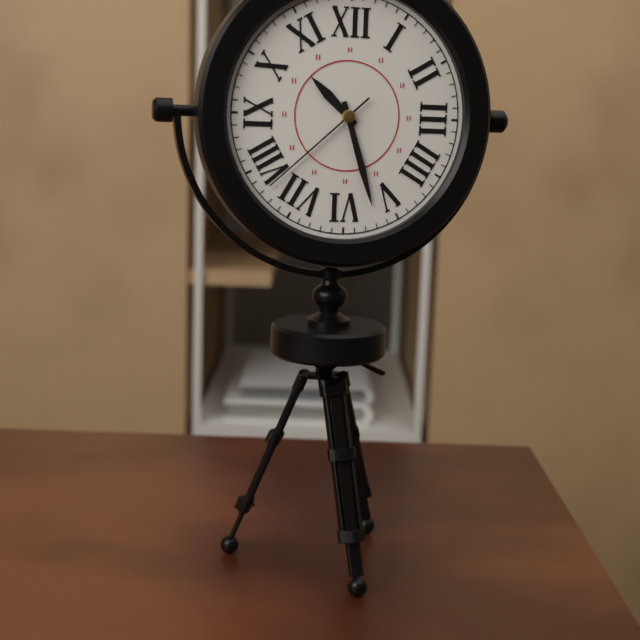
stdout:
10h27m38s
